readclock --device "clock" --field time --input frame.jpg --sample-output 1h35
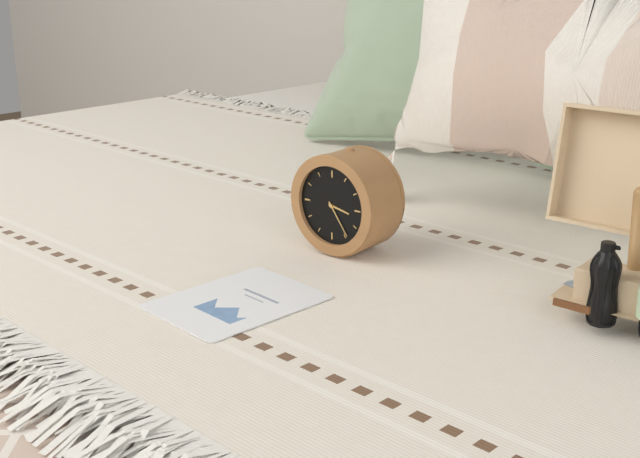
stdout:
3h24
